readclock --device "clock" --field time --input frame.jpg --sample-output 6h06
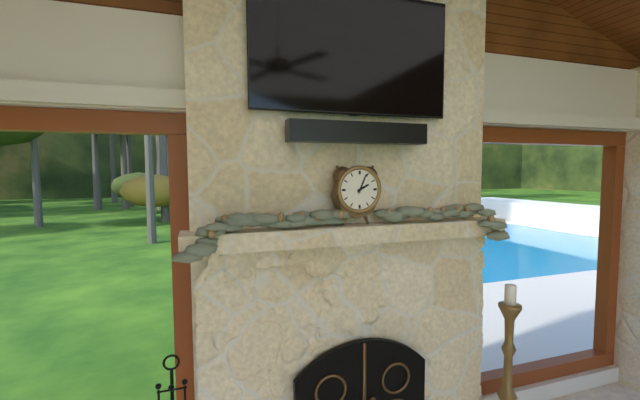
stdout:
2h04
